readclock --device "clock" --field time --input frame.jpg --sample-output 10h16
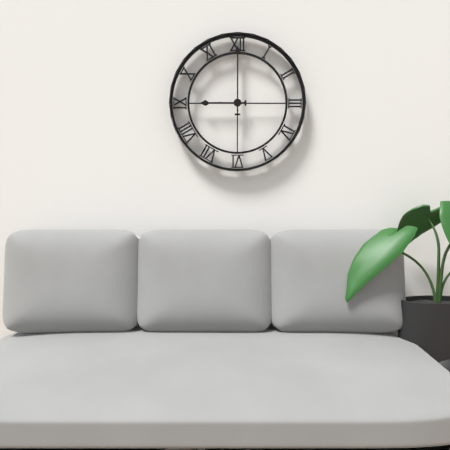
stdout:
9h00
